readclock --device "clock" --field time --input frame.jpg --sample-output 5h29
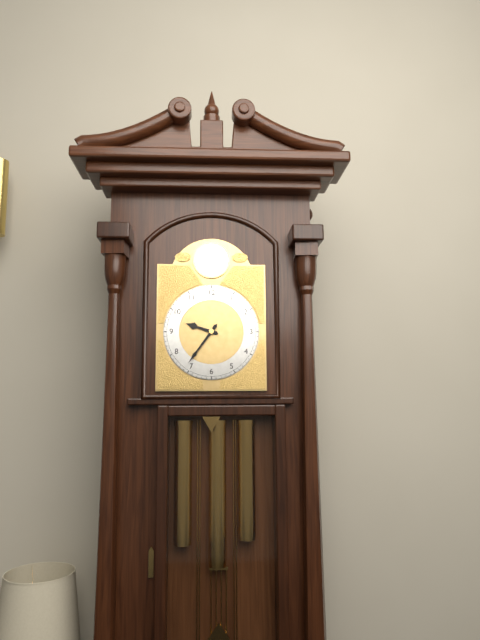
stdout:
9h36
